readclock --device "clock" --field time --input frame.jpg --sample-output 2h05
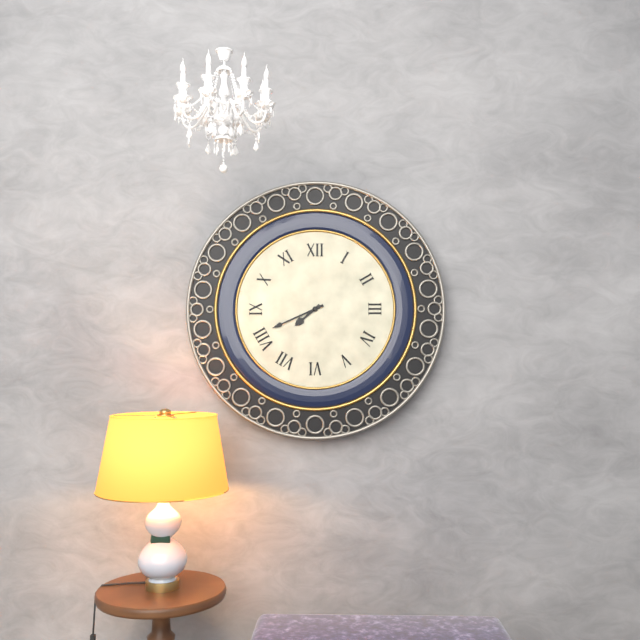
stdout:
7h41
